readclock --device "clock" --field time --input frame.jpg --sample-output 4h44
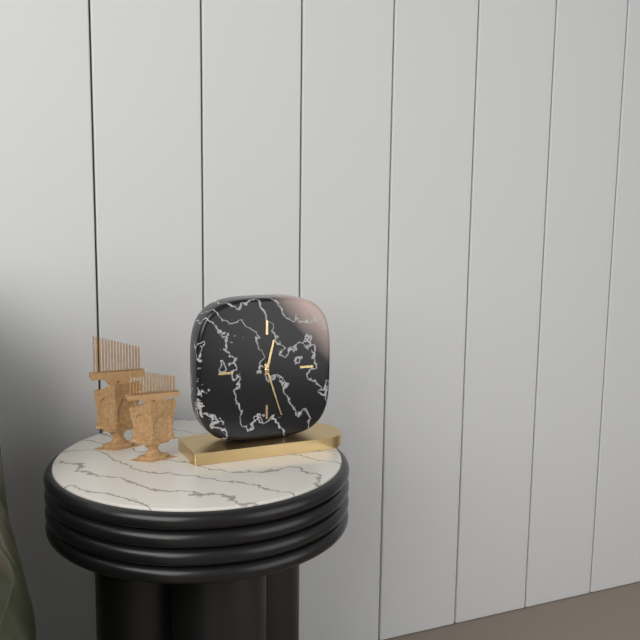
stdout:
12h27
